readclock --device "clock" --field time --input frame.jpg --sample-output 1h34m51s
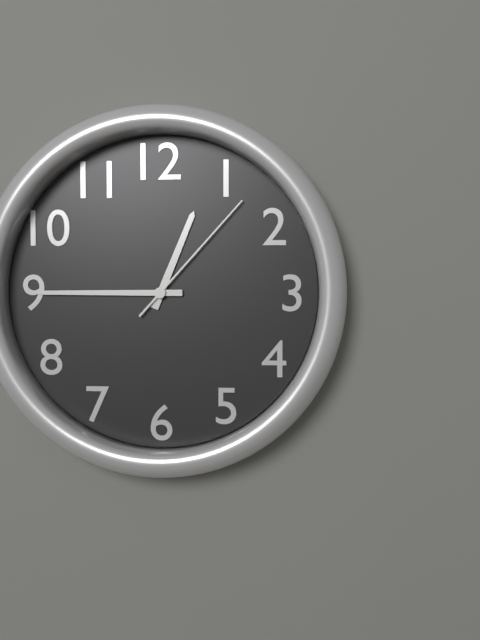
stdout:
12h45m07s
